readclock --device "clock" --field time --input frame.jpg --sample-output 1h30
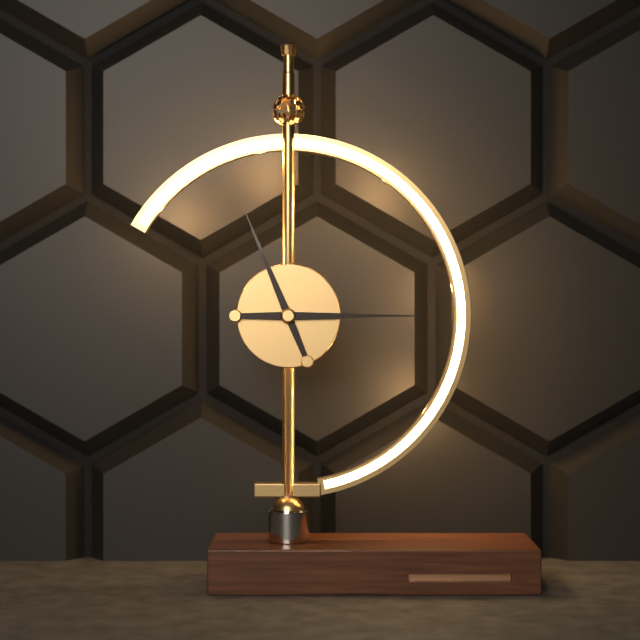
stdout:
11h15
